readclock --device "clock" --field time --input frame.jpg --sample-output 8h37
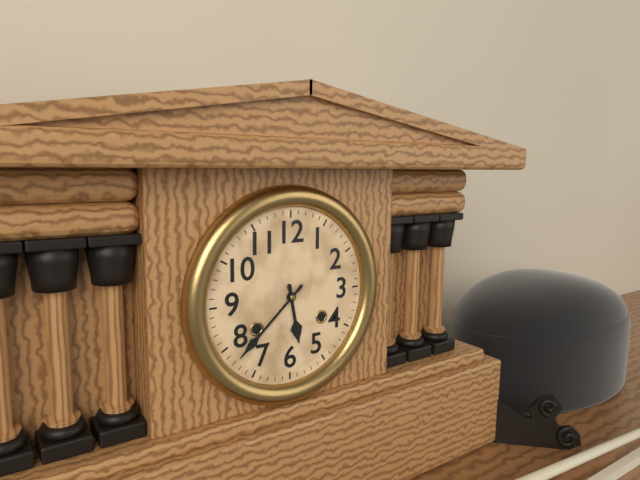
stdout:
5h38
